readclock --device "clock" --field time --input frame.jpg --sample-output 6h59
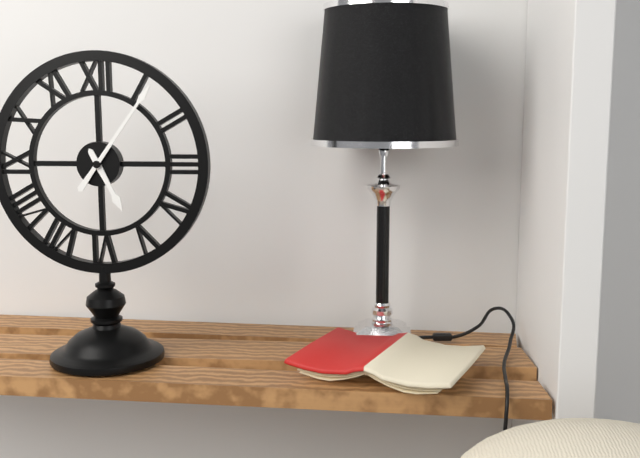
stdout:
5h06
